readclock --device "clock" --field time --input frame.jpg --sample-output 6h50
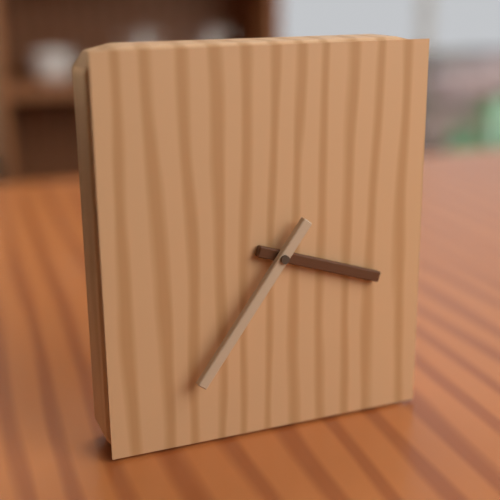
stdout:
3h36
